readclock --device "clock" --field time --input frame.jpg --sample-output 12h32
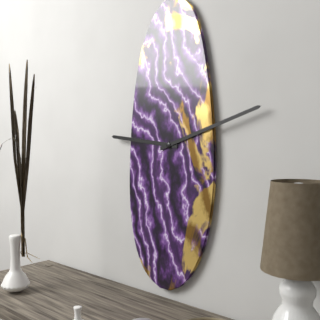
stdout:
9h12
